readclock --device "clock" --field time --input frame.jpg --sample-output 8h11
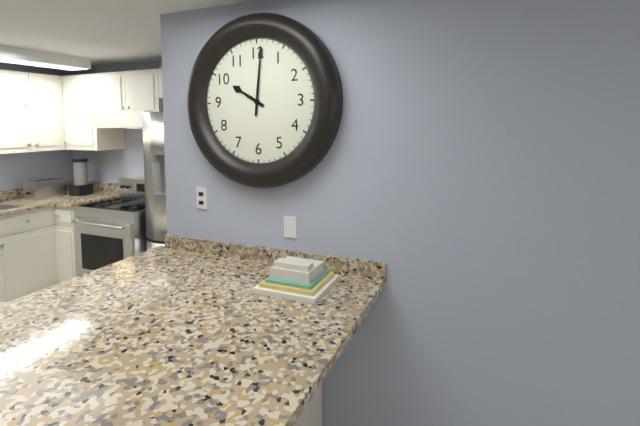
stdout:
10h01
